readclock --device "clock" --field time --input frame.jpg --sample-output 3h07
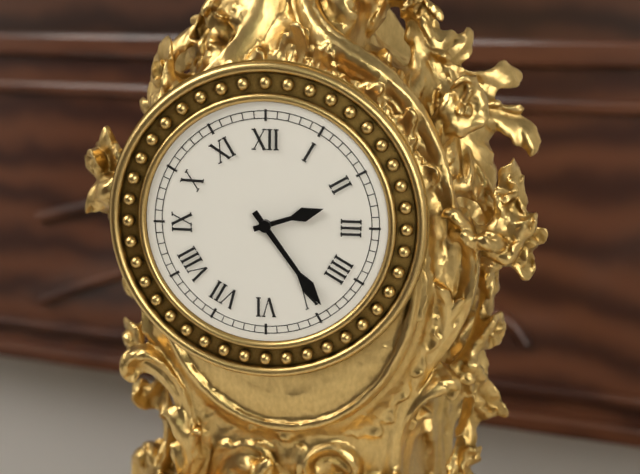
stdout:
2h24
